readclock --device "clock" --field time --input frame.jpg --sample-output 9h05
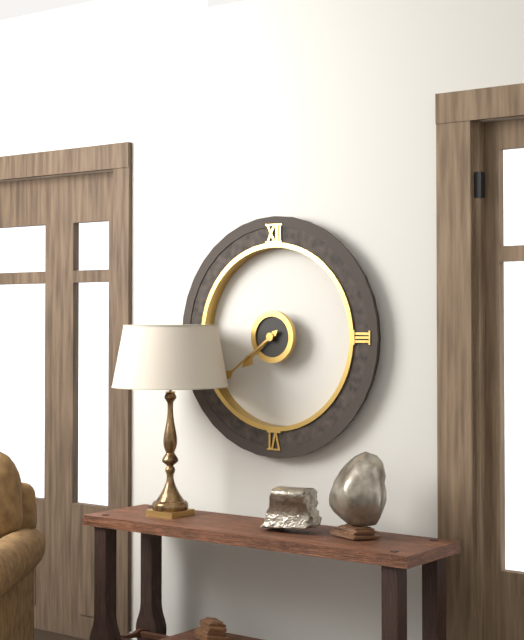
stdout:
7h39
